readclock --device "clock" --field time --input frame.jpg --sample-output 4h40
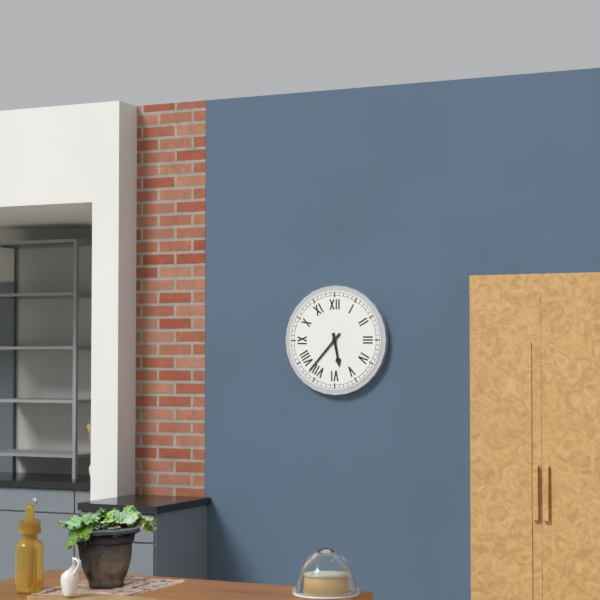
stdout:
5h37
